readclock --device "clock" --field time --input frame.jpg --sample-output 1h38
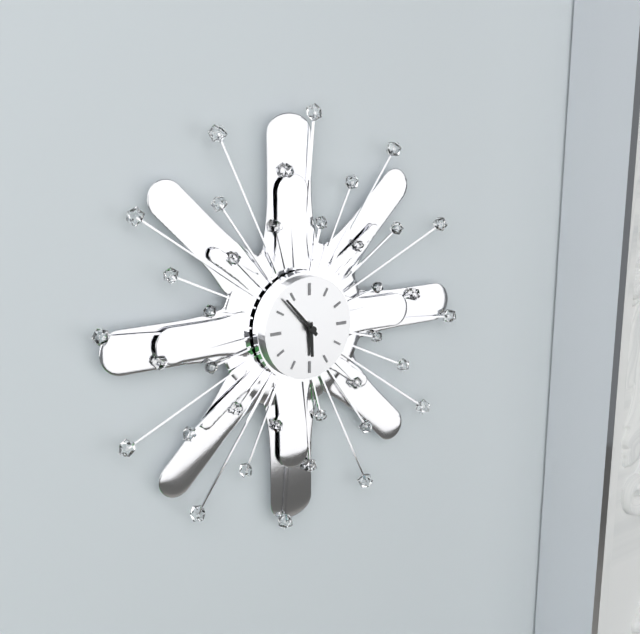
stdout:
5h53
